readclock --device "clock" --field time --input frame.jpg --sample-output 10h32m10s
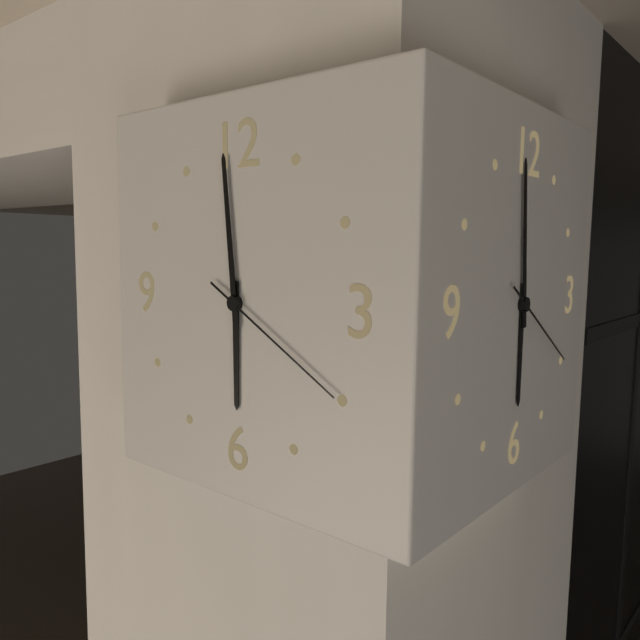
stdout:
5h59m20s
